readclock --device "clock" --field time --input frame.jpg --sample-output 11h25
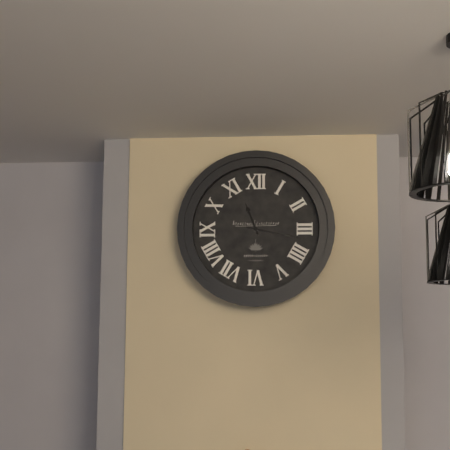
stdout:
11h17
